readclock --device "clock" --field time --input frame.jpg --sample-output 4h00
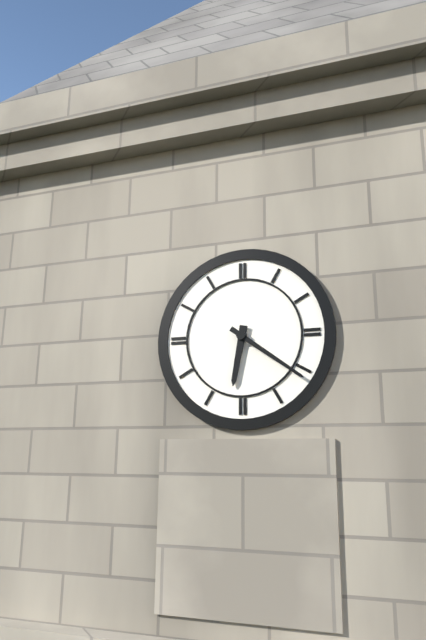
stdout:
6h21
